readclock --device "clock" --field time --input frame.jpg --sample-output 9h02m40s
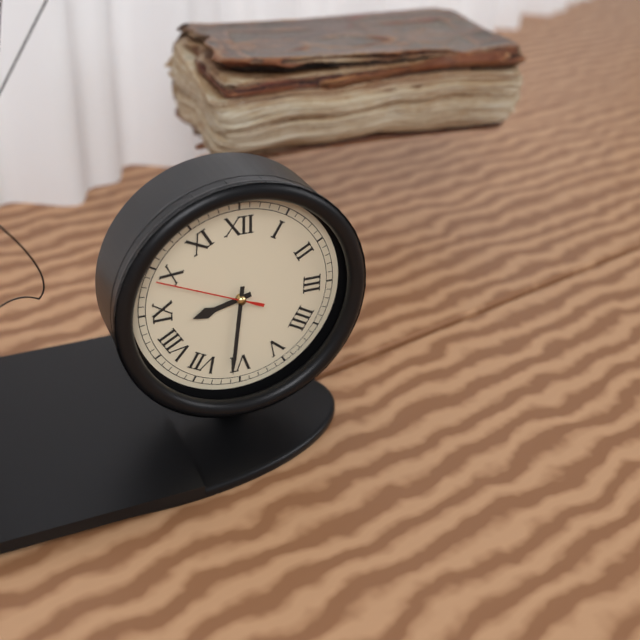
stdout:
8h31m49s
